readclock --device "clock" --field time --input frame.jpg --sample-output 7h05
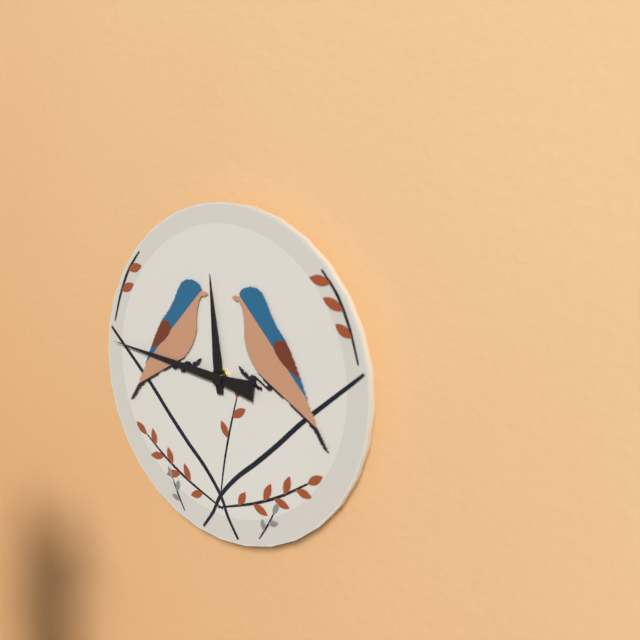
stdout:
11h46
